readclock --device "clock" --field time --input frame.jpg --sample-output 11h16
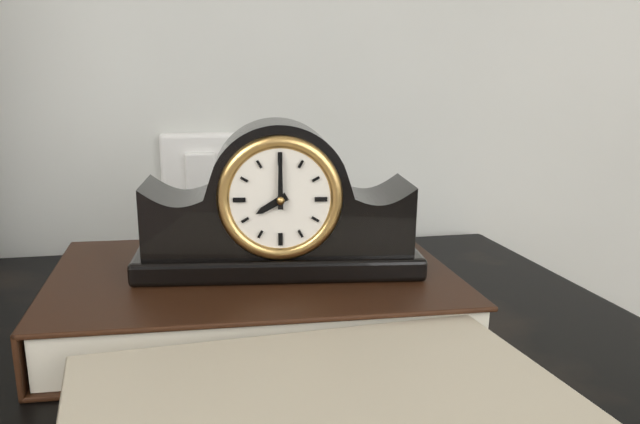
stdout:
8h00
